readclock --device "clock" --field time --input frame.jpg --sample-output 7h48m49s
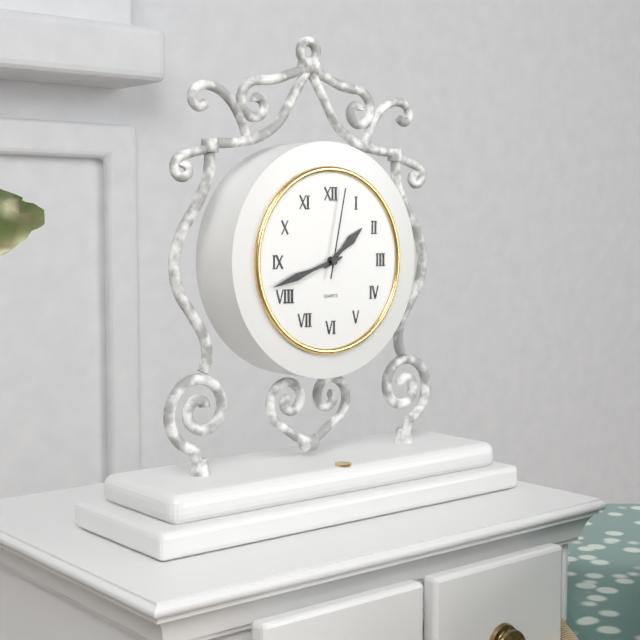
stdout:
1h42m02s
